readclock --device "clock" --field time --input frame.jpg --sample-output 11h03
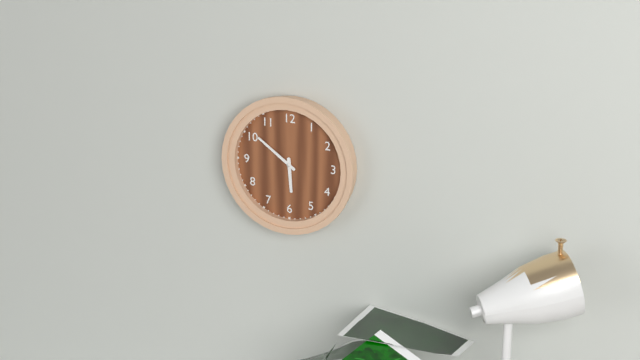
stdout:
5h51
